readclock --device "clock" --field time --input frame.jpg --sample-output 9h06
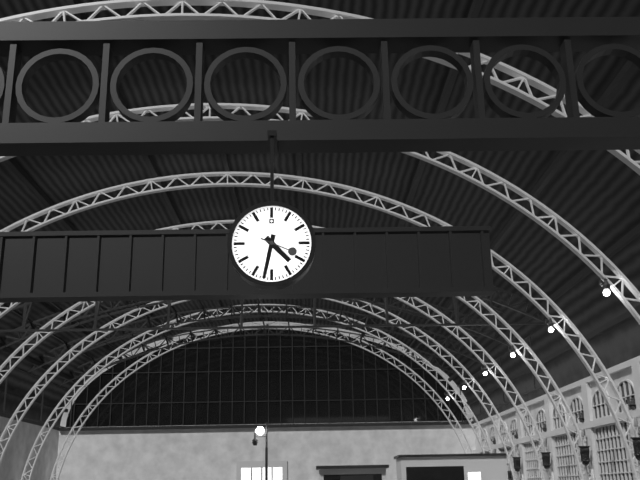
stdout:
4h32
